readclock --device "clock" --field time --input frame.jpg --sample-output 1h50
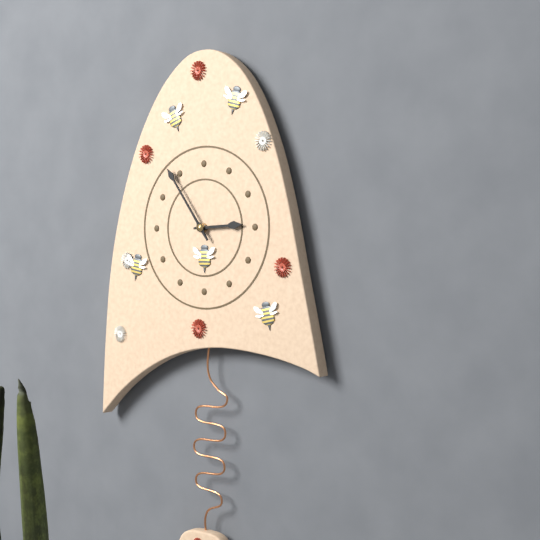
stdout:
2h54
